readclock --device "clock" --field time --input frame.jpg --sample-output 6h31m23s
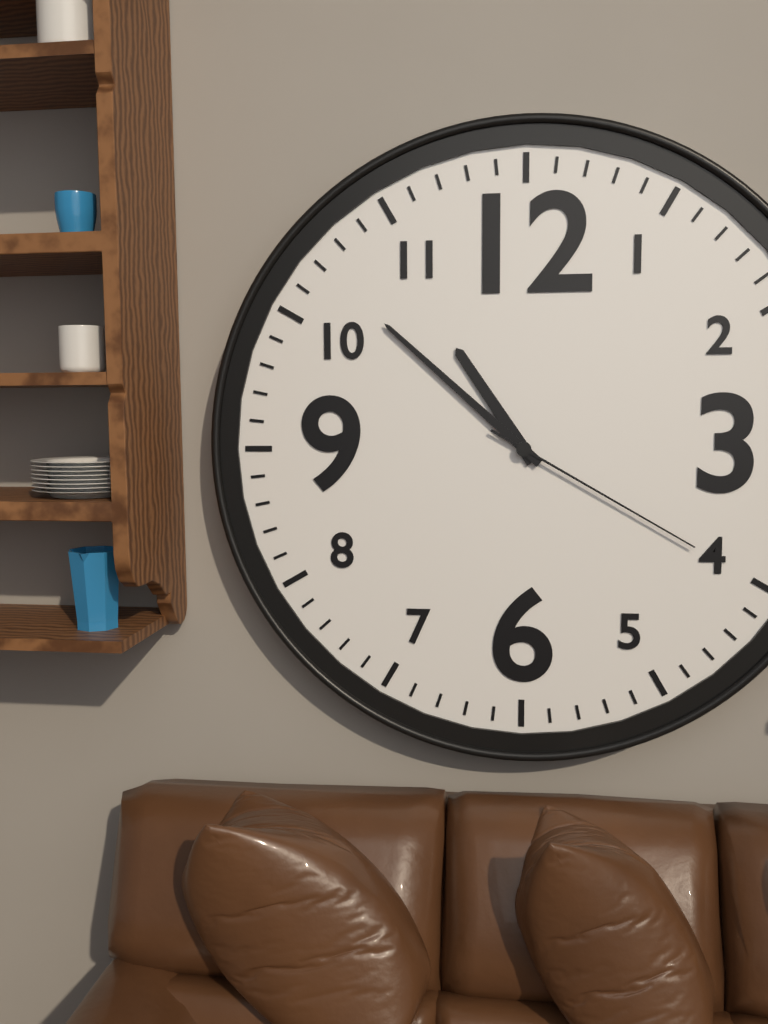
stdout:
10h52m20s
